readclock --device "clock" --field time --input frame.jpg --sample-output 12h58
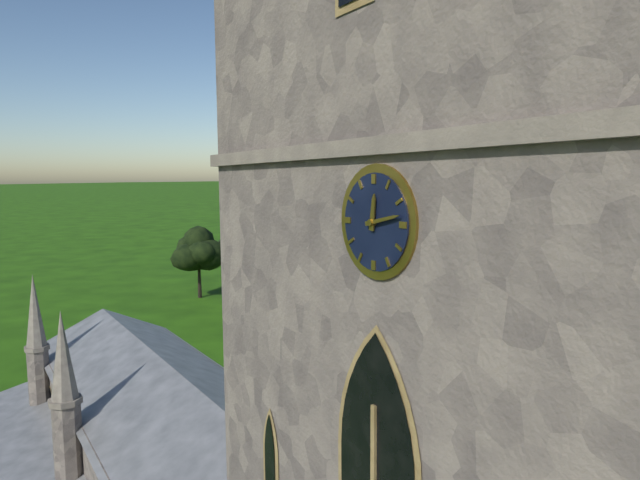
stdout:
12h13
